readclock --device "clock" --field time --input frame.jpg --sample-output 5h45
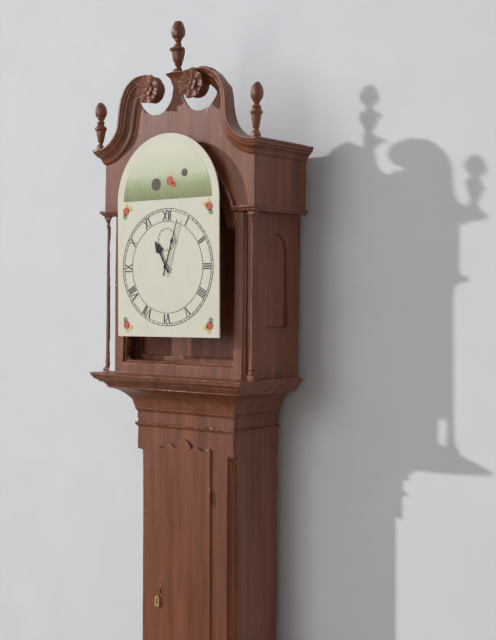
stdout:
11h03
